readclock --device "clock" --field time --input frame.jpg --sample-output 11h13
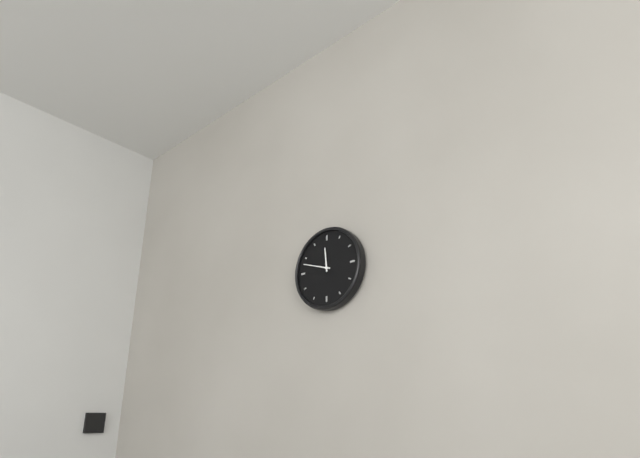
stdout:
11h48
